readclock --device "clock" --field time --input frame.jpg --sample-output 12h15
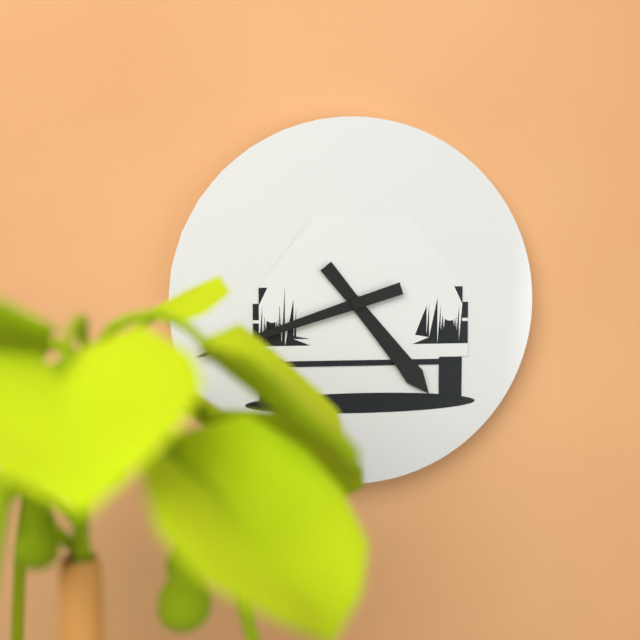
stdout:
4h42
